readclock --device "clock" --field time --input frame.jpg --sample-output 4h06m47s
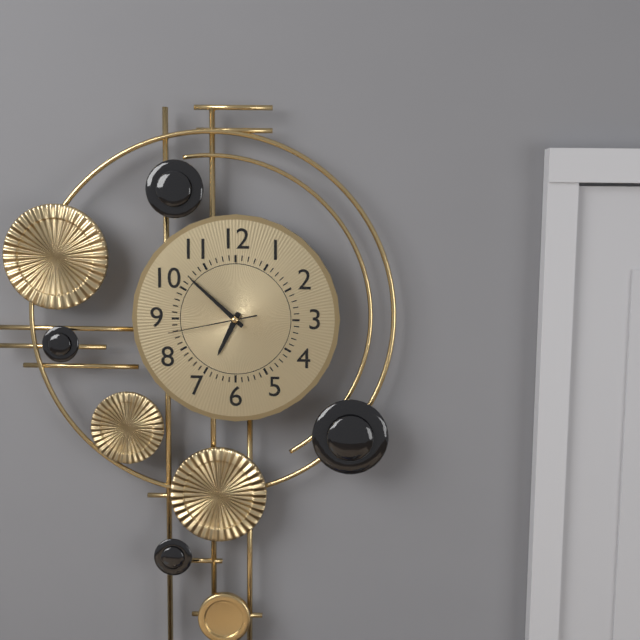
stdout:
6h52m43s
